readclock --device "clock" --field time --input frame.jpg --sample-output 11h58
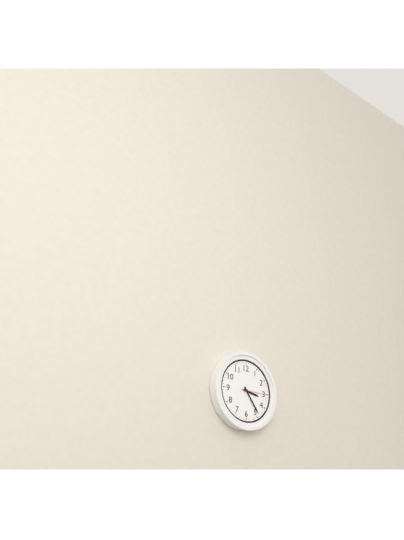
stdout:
3h24
